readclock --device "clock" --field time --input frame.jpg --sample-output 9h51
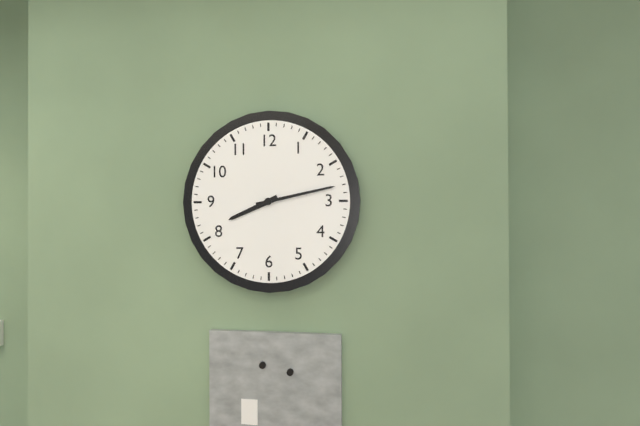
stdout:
8h13
